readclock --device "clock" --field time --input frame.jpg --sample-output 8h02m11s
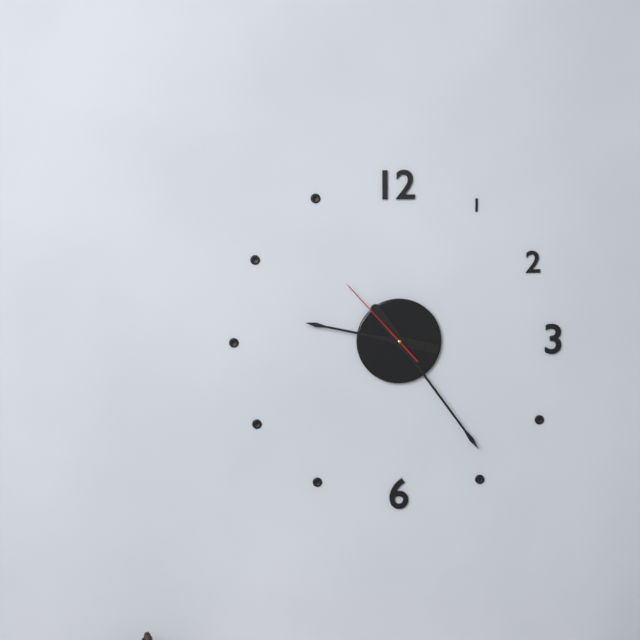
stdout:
9h24m53s
